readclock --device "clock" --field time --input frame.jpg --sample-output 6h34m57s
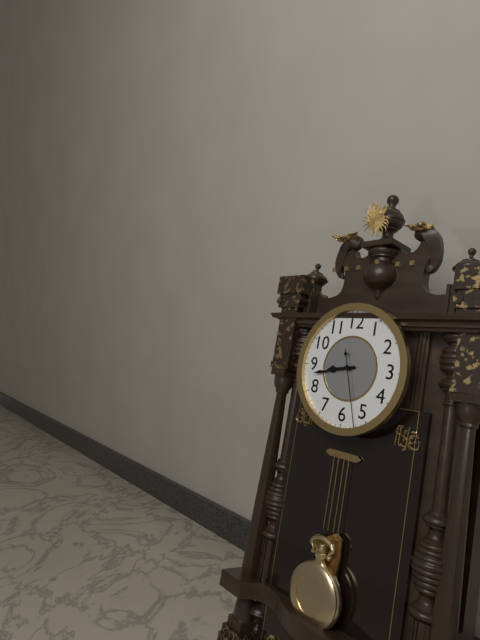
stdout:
8h43m27s
